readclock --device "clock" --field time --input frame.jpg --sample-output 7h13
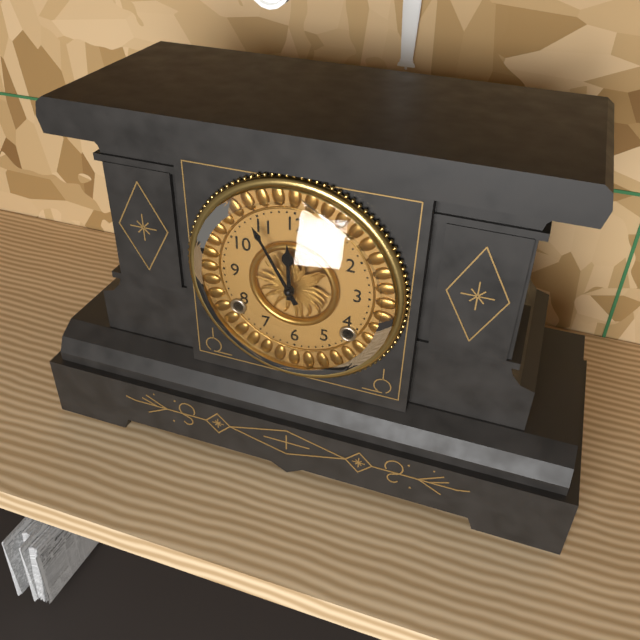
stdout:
11h55
